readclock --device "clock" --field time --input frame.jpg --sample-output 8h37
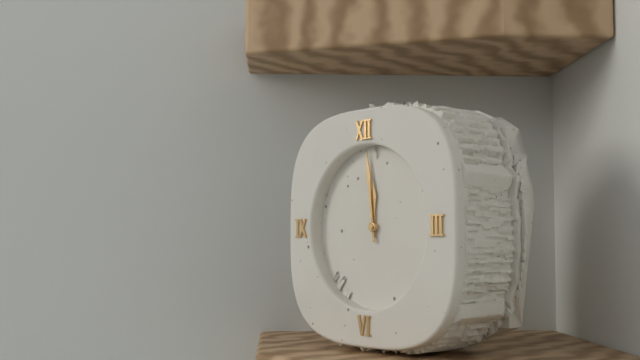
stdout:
11h59
